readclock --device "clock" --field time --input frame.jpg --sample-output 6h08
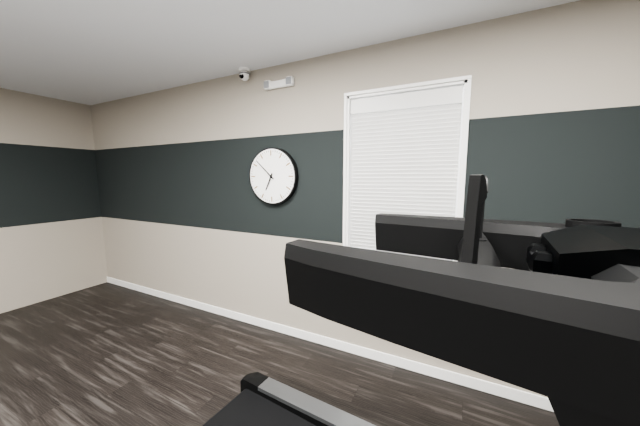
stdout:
6h52
